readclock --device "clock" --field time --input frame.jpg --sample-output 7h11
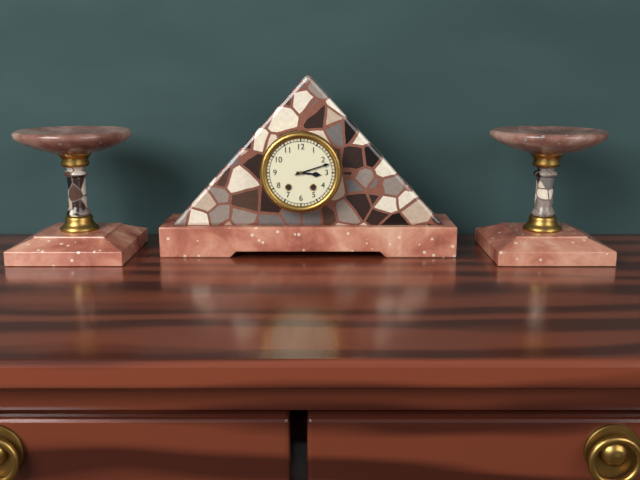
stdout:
3h12
